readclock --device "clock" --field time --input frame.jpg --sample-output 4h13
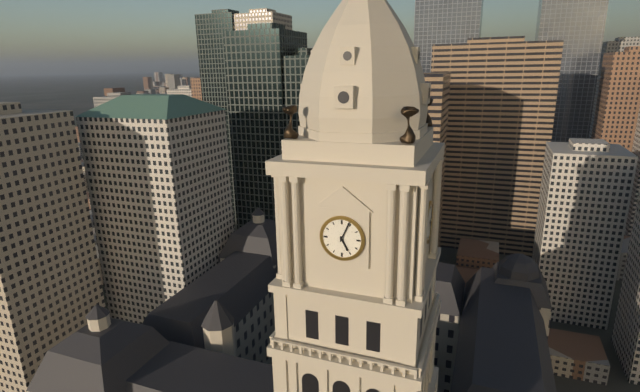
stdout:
5h04
